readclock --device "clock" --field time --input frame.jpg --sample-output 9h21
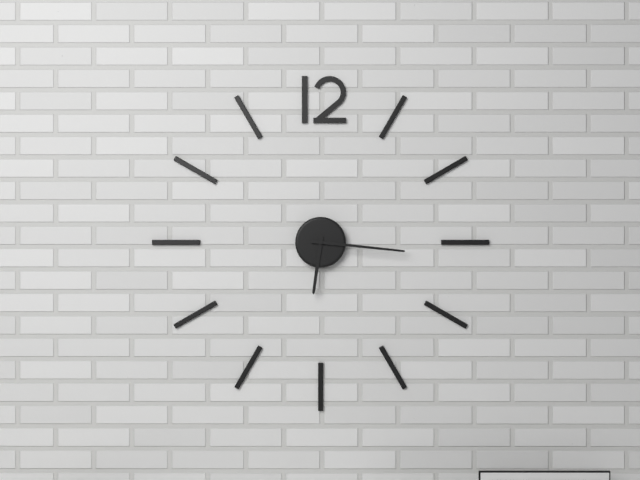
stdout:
6h16
